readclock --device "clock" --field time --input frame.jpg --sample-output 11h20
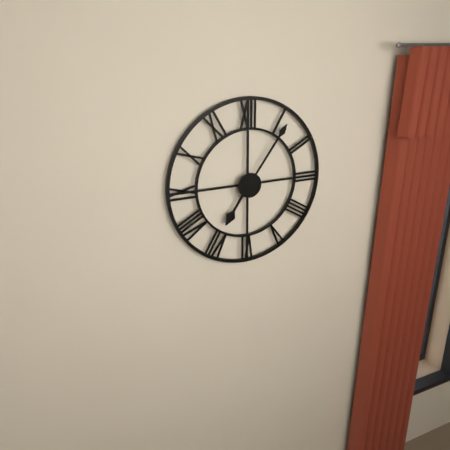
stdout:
7h06
